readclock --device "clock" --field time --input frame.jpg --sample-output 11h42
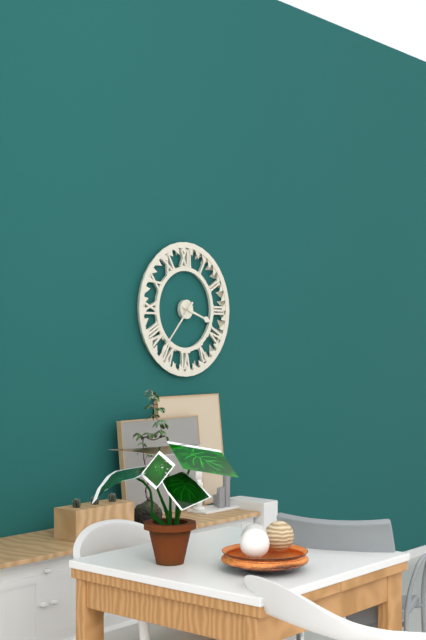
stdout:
3h37
